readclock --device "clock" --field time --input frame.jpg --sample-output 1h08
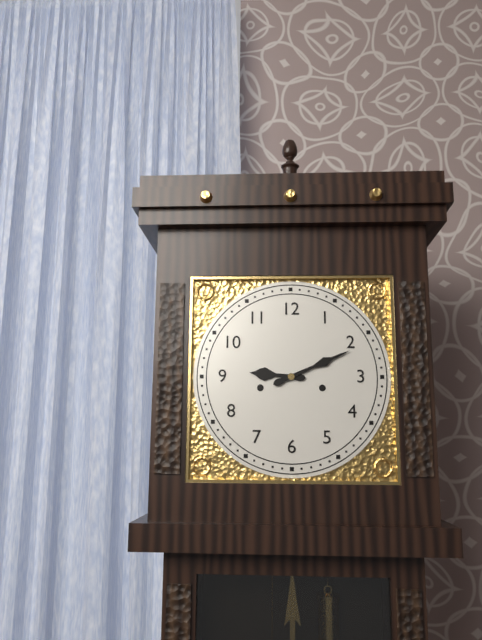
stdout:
9h11
